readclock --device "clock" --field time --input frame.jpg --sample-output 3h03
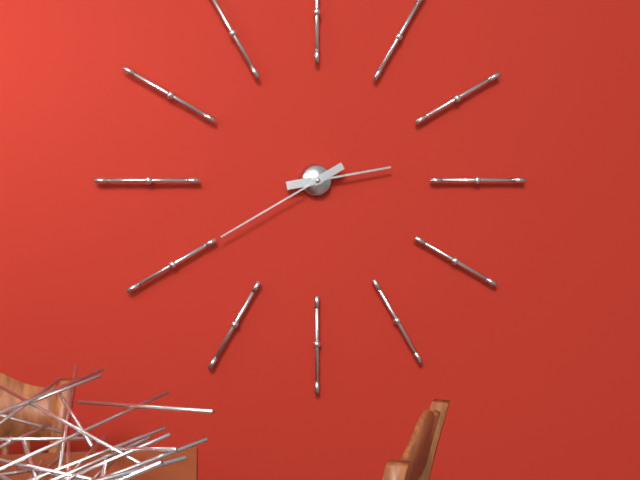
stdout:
2h40
